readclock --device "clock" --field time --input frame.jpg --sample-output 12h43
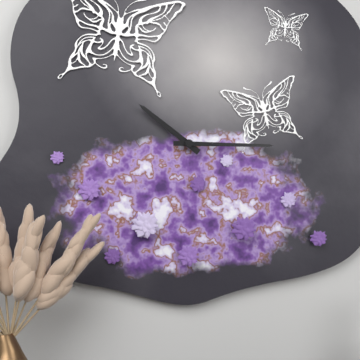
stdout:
10h15
